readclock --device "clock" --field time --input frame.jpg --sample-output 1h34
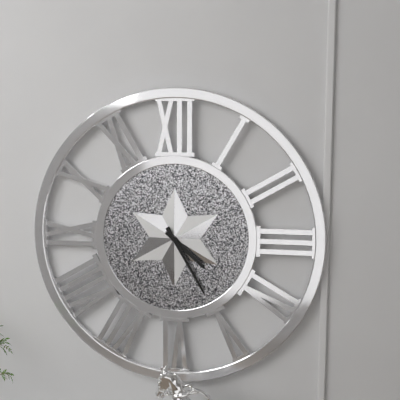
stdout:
4h25
